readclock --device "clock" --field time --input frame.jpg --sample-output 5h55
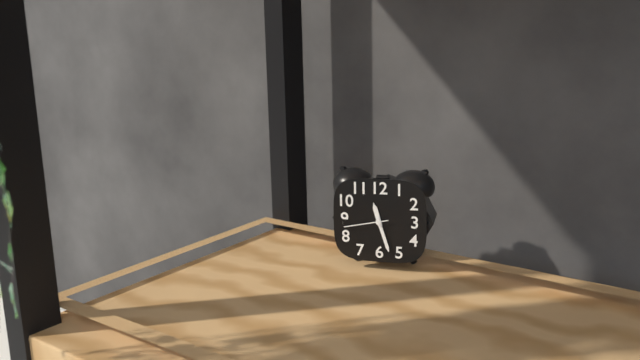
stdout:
11h27
